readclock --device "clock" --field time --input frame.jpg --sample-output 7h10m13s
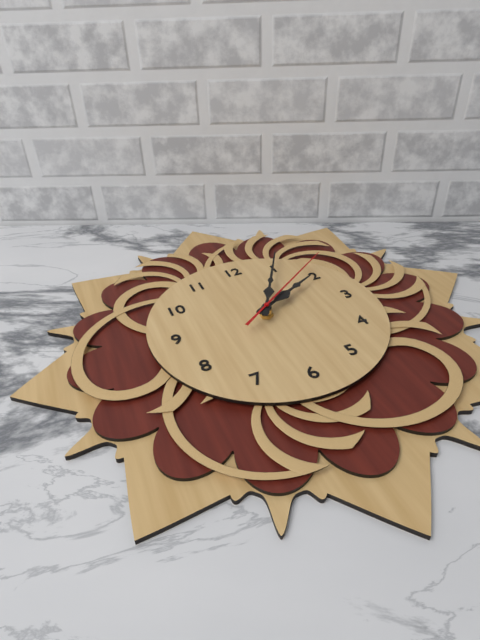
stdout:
2h05m09s
